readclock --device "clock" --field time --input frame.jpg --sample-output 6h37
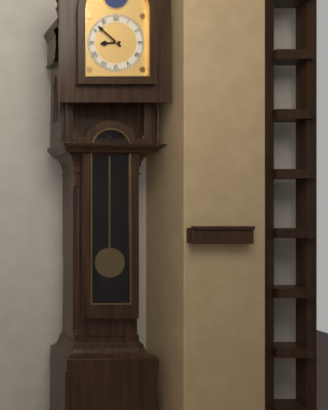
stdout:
8h52
